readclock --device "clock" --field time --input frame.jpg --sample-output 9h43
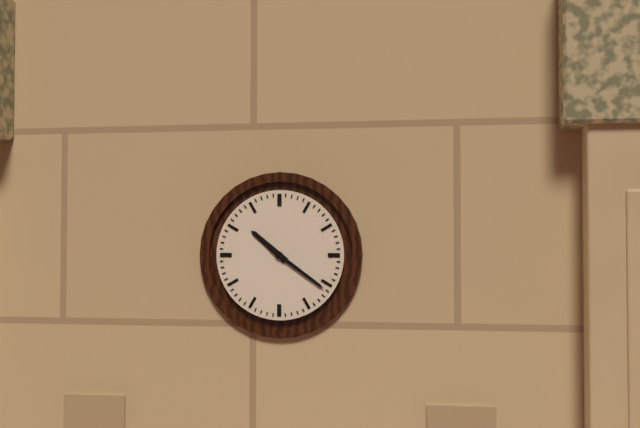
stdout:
10h21
